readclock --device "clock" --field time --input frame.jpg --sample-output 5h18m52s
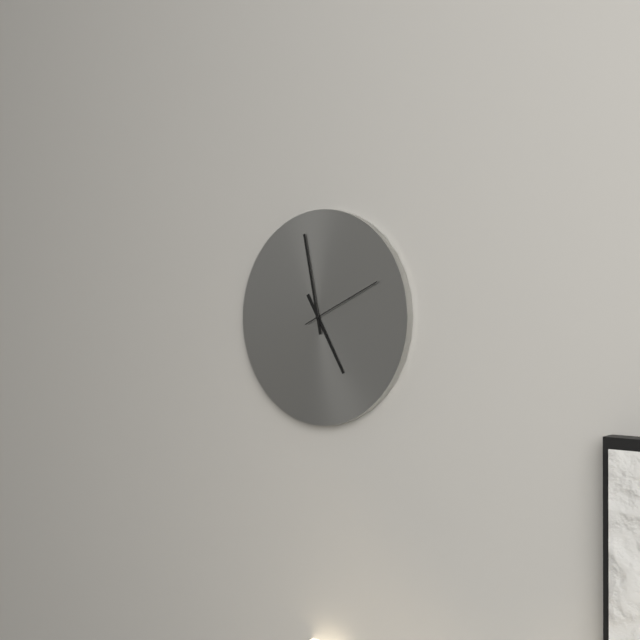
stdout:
4h58m11s
